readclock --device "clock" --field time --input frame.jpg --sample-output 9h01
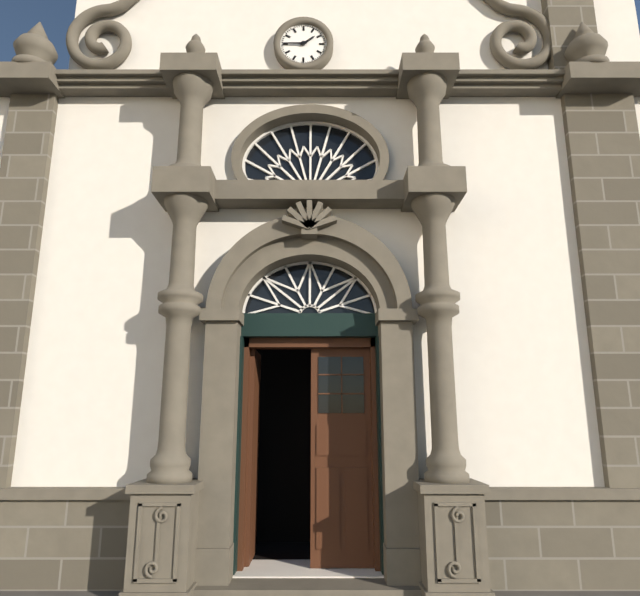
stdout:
1h45
